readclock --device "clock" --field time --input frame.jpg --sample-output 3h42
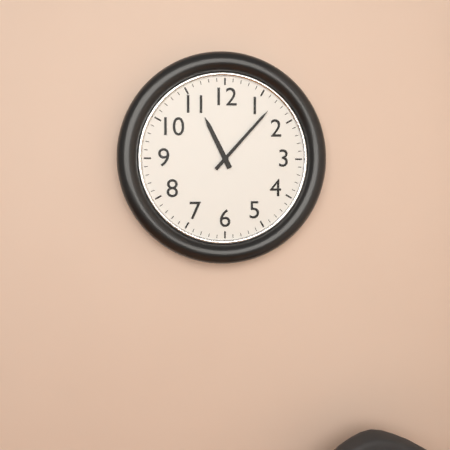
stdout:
11h07
